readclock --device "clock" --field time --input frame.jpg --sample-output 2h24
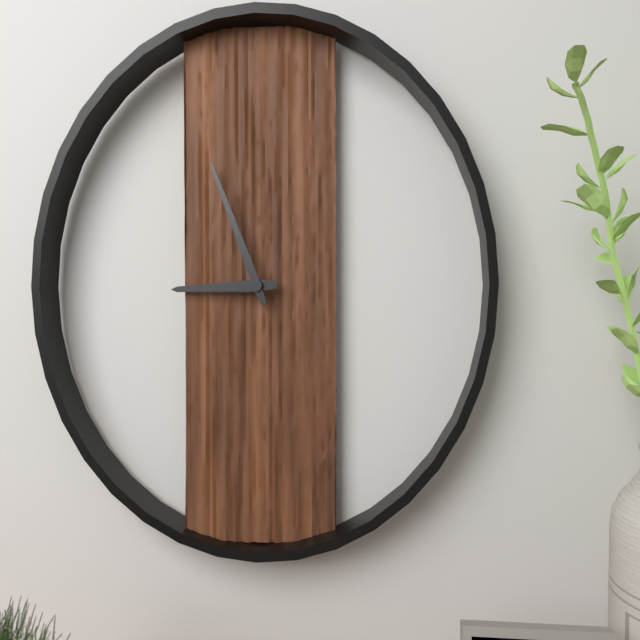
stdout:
8h56
